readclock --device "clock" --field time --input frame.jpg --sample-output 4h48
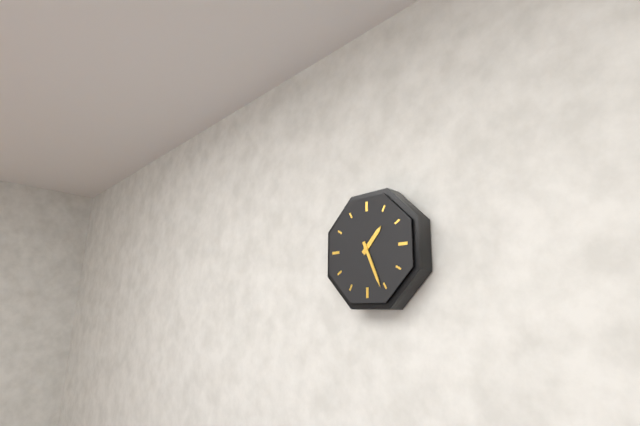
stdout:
1h26
